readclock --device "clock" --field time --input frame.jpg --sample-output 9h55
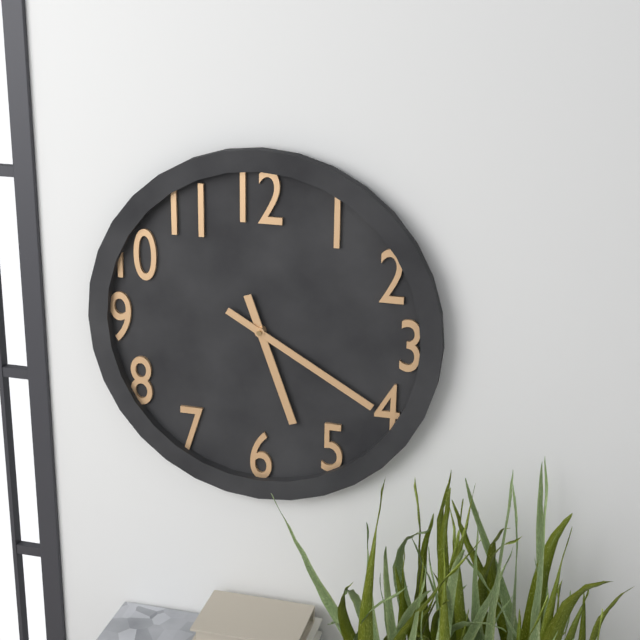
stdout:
5h20
